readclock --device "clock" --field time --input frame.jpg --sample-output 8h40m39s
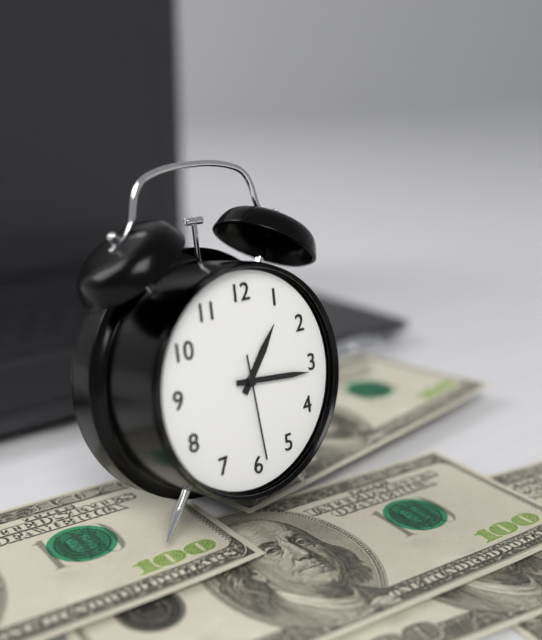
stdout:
1h16m29s
